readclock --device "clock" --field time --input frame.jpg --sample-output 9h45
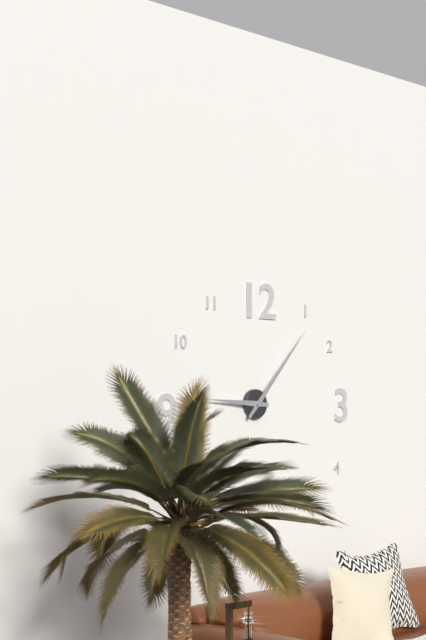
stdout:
9h07
